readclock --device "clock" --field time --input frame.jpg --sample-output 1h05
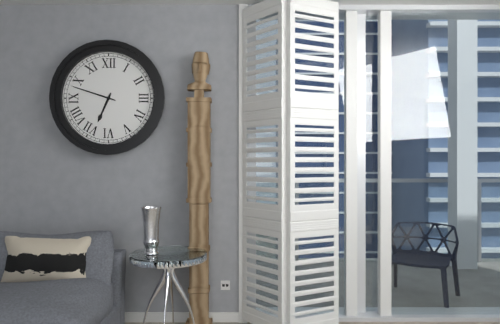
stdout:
6h48
